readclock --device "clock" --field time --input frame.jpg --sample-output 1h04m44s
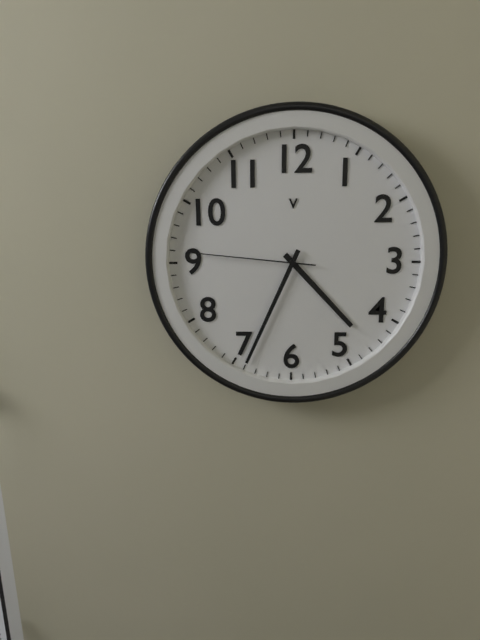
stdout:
4h34m46s
